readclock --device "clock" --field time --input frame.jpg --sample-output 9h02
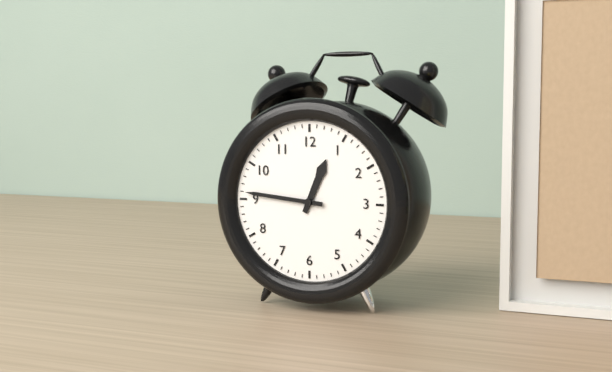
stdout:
12h46
